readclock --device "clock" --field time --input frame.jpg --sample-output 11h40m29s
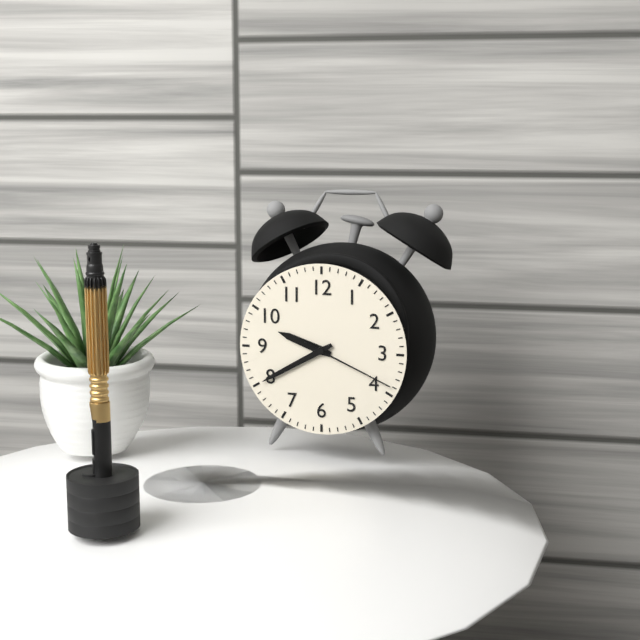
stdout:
9h40m19s
